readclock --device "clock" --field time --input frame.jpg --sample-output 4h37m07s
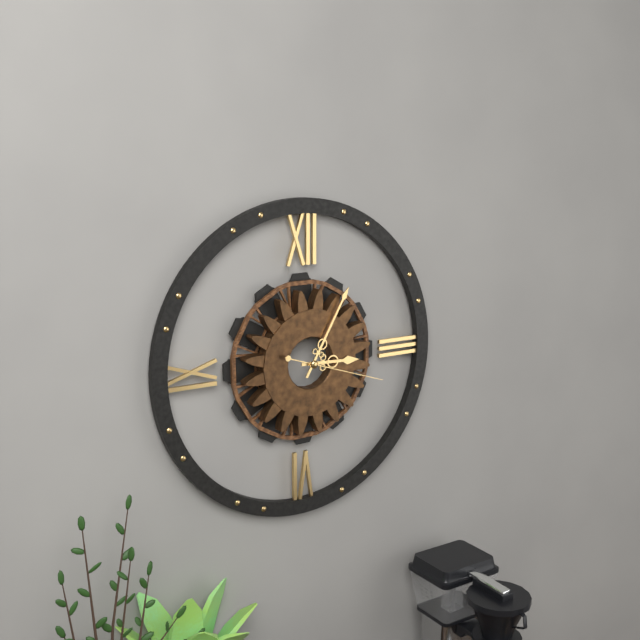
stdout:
3h05m18s
